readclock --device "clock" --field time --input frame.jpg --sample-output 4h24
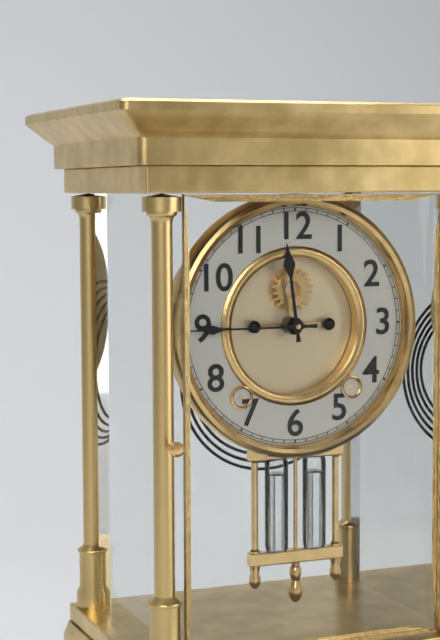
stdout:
11h45
